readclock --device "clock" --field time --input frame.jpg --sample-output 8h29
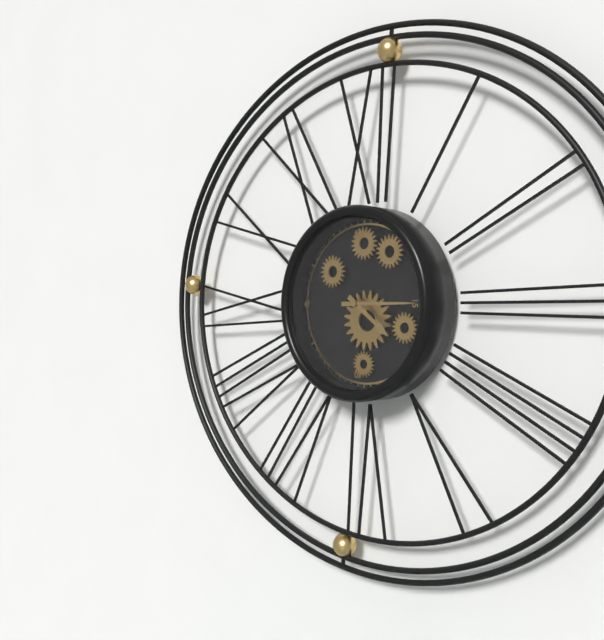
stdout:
4h15
